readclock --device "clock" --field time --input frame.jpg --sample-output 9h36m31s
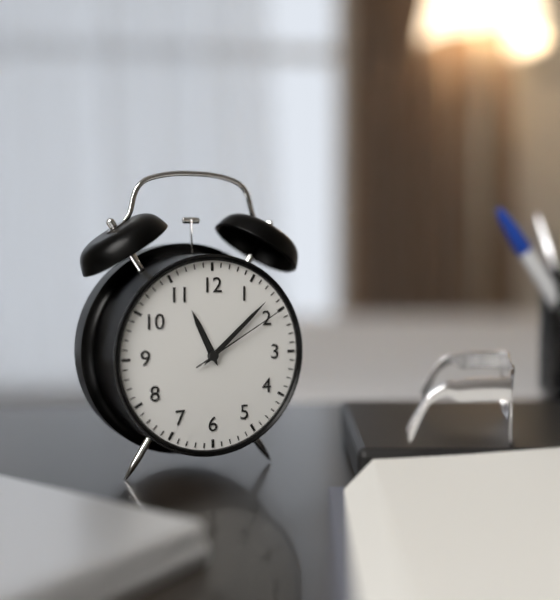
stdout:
11h08m10s
